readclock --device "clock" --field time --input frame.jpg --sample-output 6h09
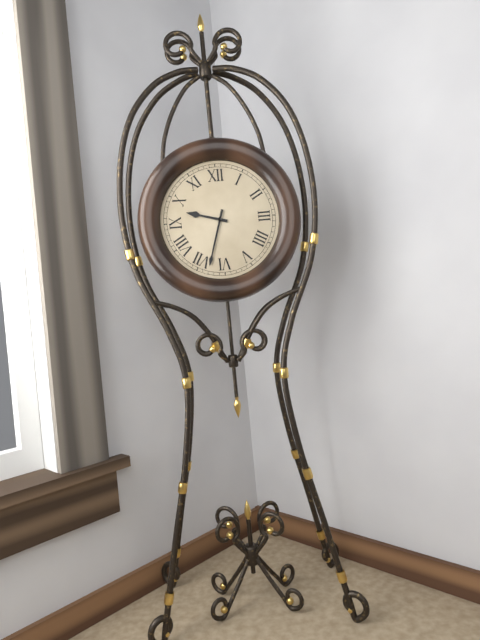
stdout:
9h33
